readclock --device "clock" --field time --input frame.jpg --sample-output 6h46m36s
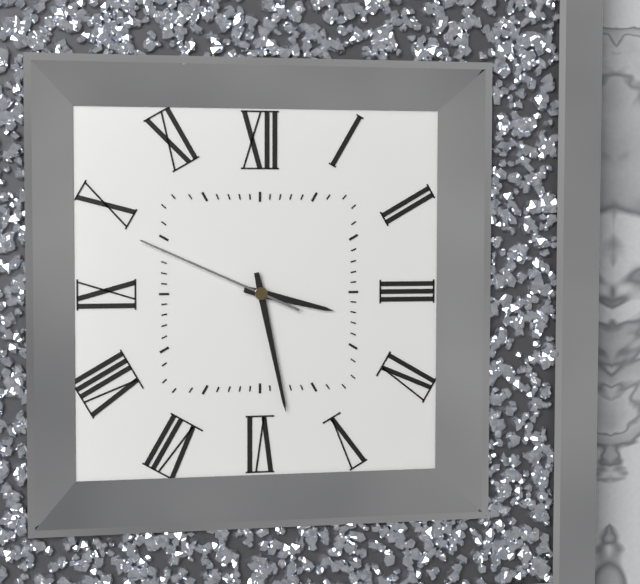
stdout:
3h28m49s
